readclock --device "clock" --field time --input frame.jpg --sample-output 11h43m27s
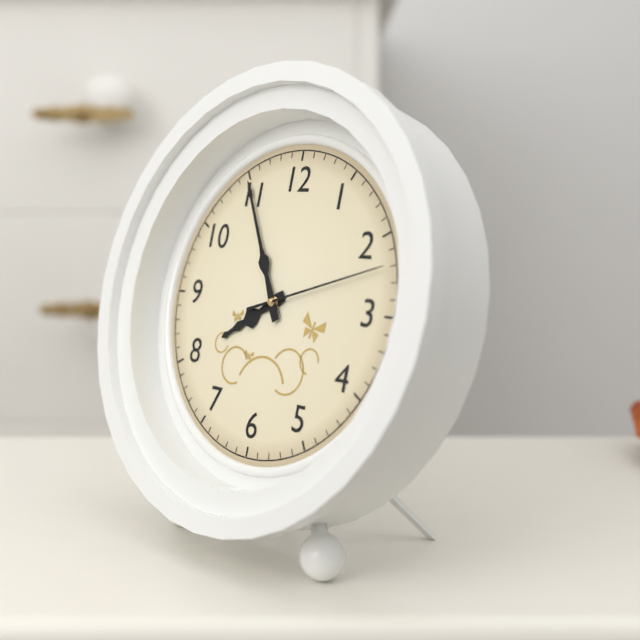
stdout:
7h55m12s
